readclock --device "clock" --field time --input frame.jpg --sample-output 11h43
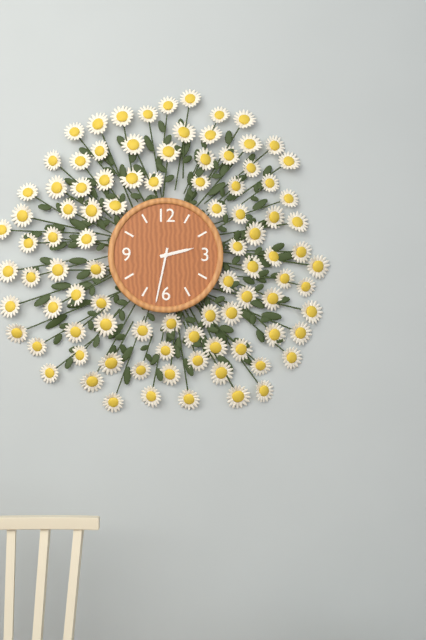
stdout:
2h32
